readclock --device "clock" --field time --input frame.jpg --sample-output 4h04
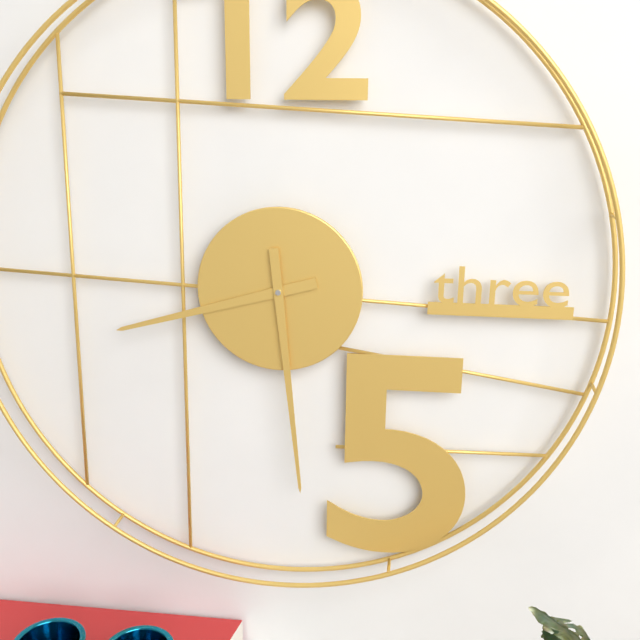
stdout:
8h29
